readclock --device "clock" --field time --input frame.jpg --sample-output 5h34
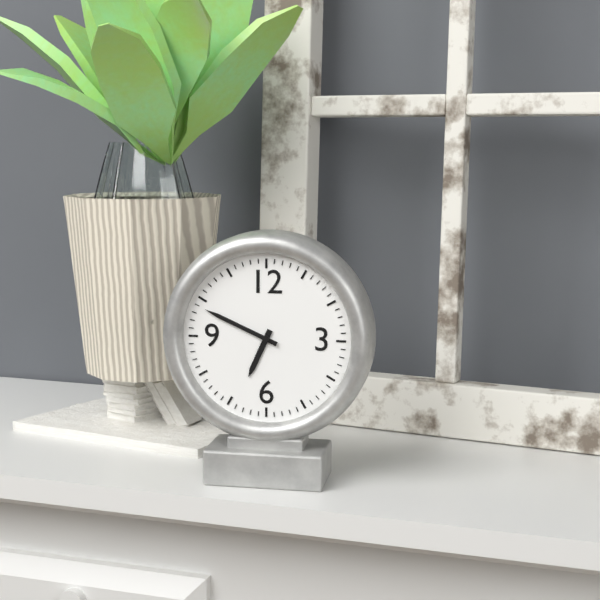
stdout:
6h49
